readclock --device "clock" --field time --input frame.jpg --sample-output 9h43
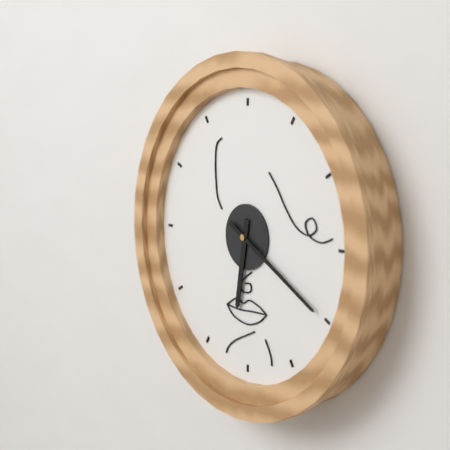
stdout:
6h20
